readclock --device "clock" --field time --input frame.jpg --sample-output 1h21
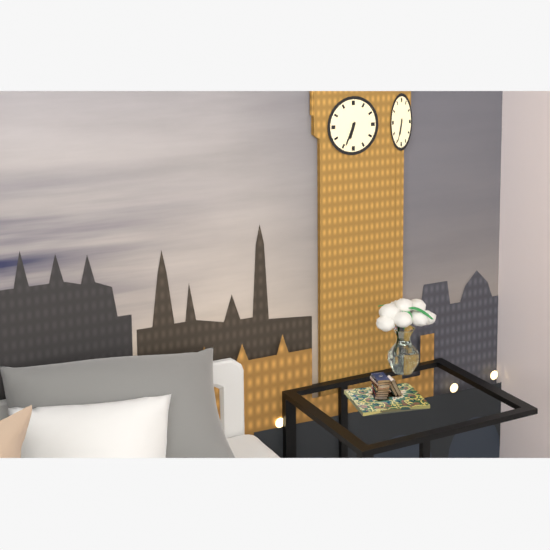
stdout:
6h34
